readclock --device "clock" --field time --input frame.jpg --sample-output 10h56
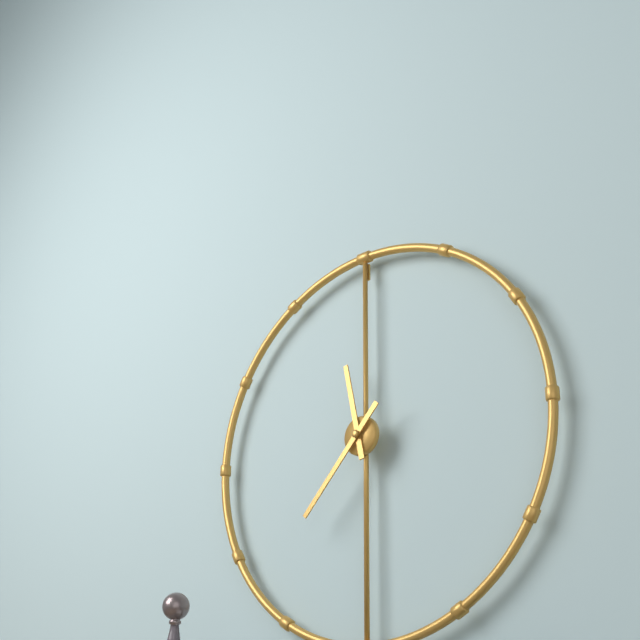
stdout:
11h37
